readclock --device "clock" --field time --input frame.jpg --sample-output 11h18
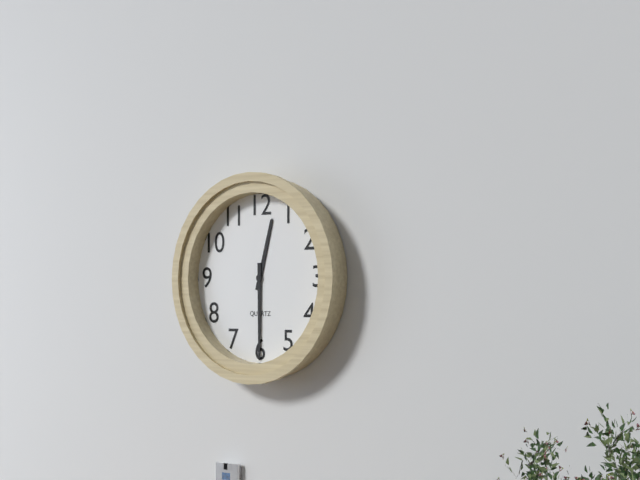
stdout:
12h30
